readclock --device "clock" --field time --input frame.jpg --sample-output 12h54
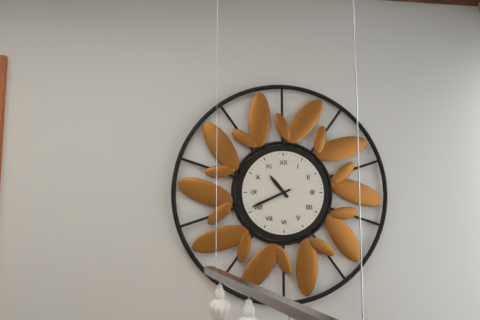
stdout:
10h41
